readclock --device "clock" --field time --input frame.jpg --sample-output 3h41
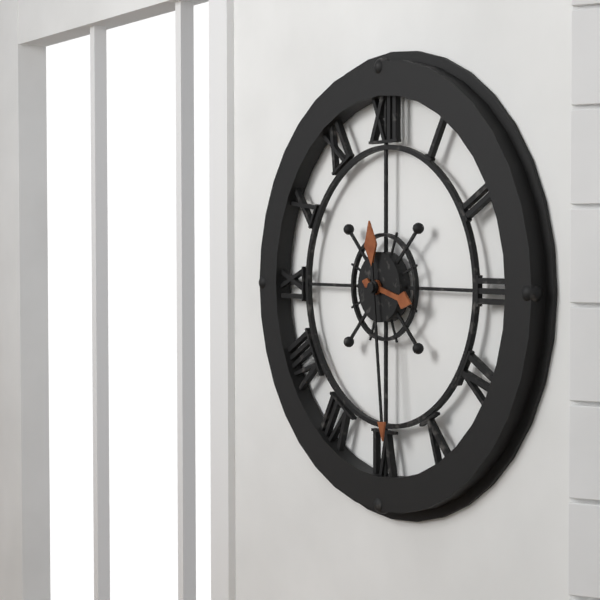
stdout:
3h29
